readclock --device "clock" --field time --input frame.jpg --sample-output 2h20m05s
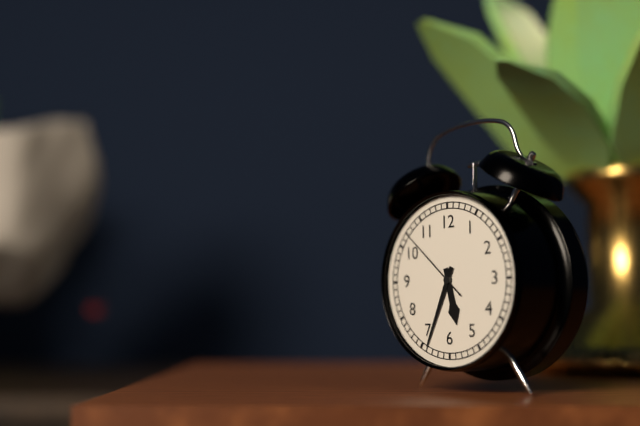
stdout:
5h34m52s
